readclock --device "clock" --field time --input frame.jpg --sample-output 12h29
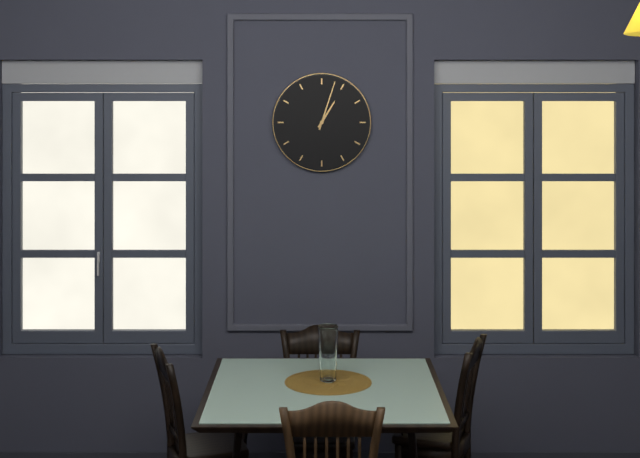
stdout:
1h03
